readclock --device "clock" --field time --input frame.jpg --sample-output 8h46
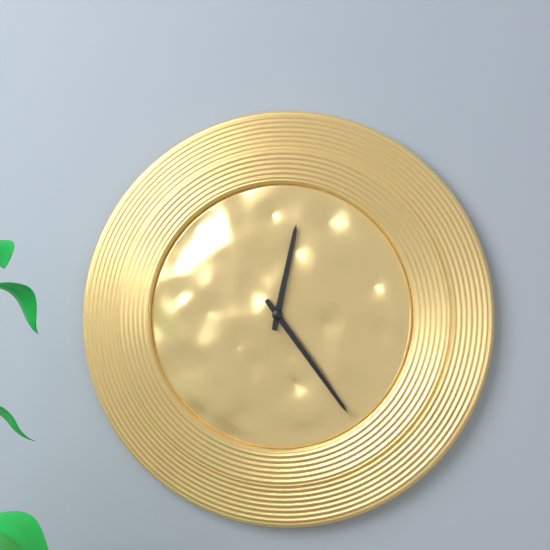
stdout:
12h24
